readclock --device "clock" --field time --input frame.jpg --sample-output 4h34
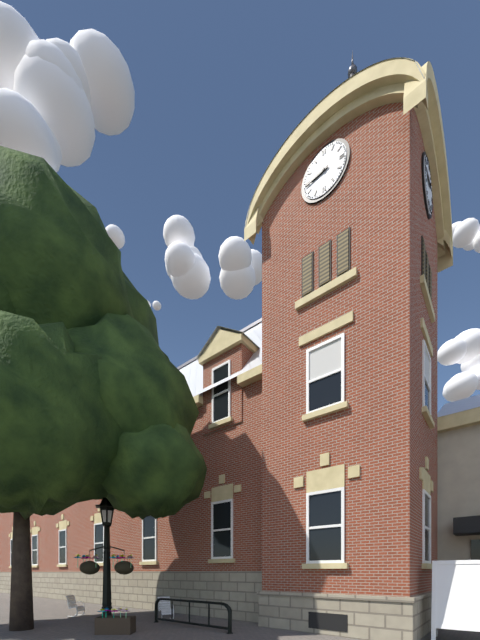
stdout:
8h44
